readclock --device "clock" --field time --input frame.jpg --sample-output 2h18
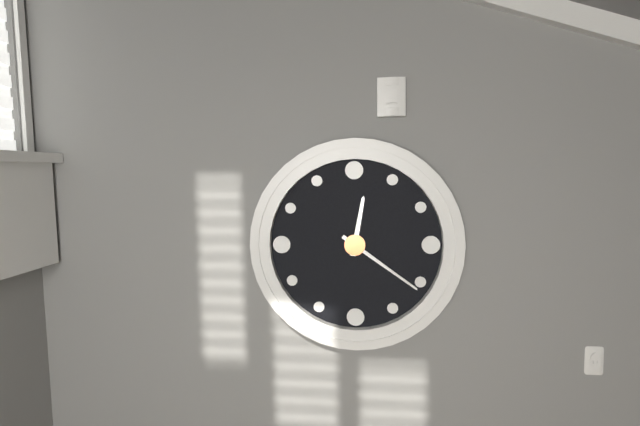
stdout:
12h21
